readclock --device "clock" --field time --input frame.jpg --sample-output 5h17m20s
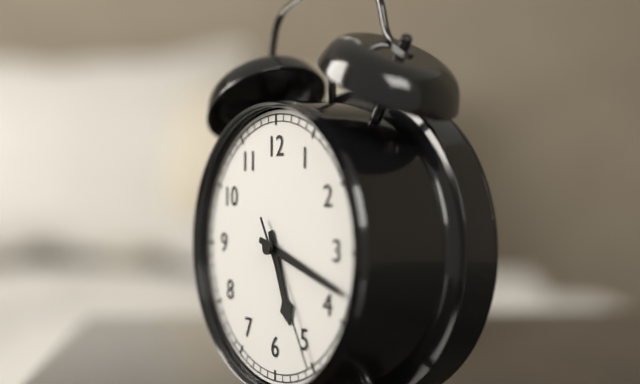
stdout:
5h18m25s
